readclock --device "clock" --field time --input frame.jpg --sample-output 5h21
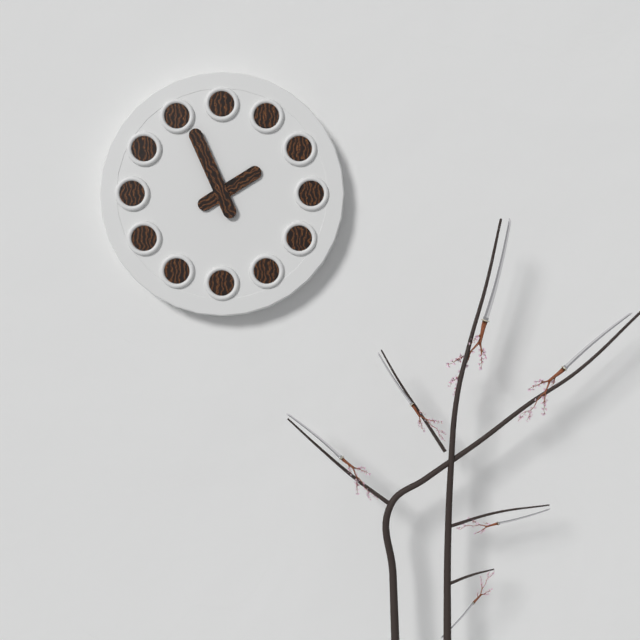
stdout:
1h56
